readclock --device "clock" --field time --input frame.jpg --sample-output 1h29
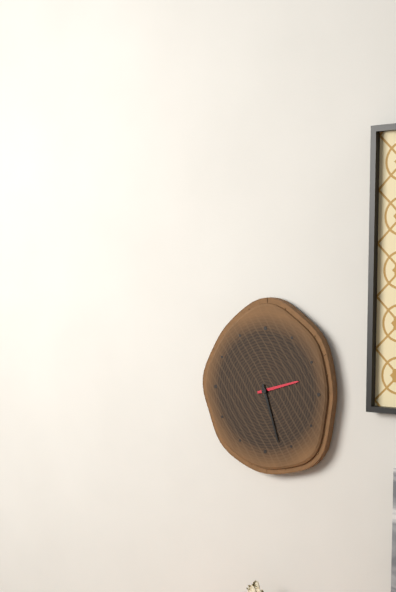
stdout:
2h27
